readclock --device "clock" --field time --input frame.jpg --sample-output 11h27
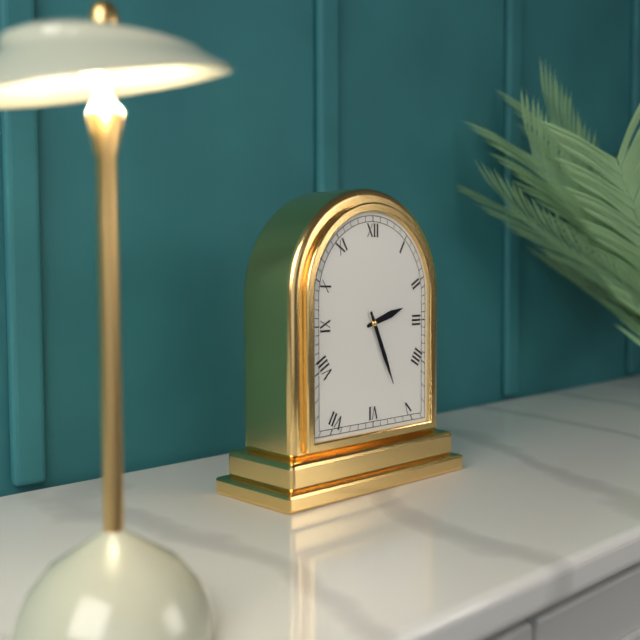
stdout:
2h26
